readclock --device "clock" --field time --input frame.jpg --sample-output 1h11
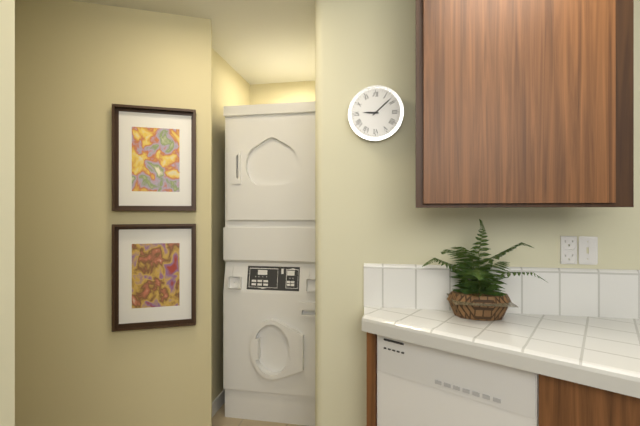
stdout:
9h08
